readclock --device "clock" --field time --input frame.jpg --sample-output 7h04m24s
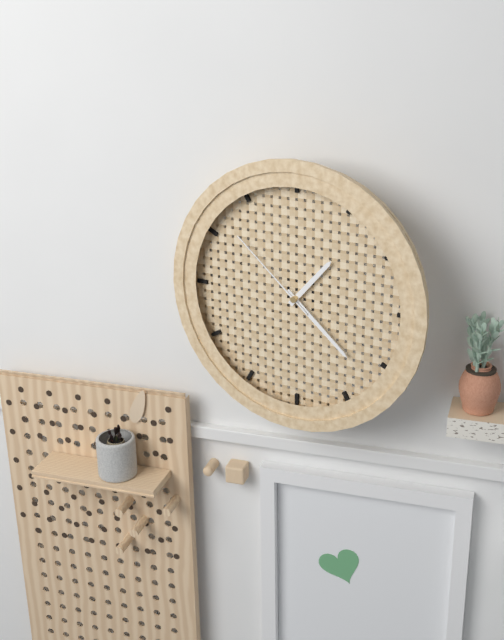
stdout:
1h22m52s
